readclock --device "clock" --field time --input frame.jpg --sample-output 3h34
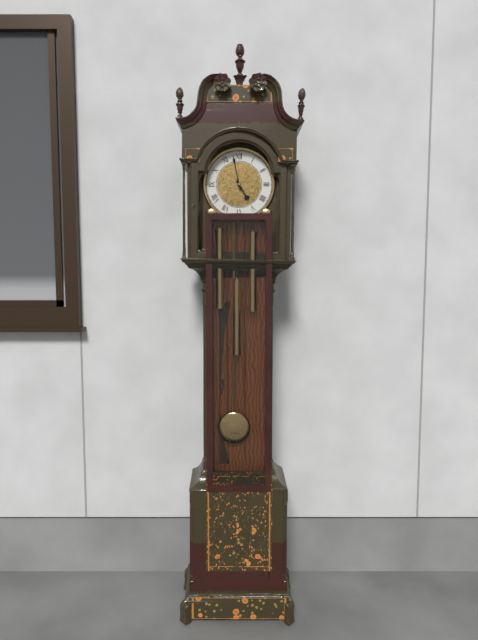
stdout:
4h58
